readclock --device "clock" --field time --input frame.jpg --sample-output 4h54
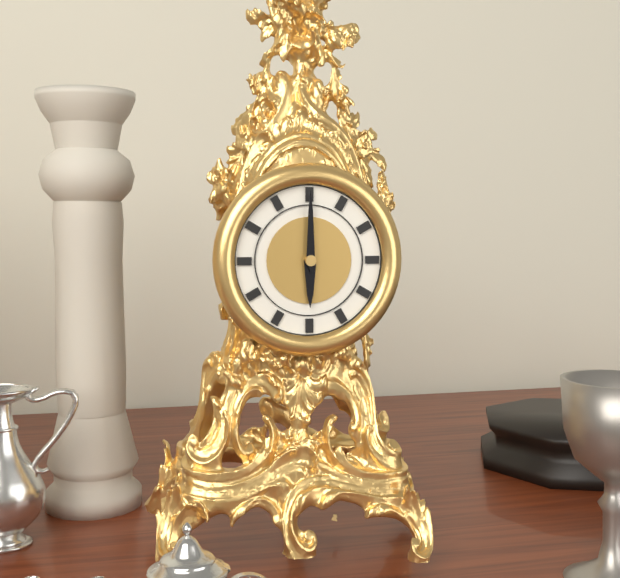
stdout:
6h00
